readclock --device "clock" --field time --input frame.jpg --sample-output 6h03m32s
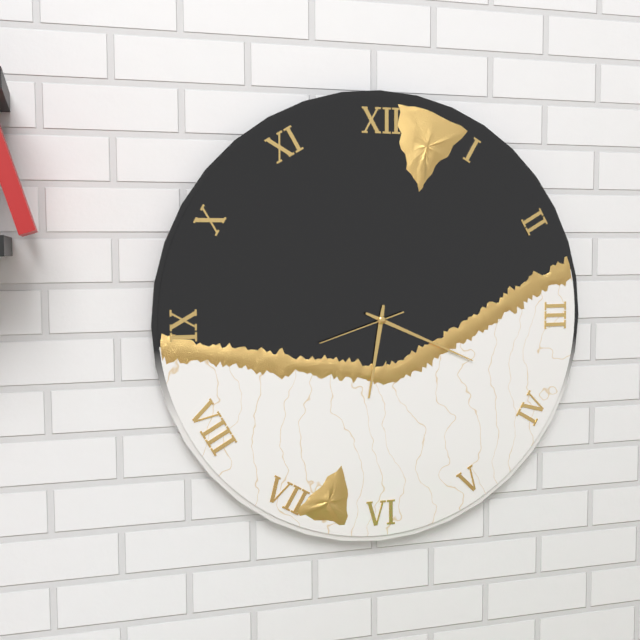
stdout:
6h19m42s
